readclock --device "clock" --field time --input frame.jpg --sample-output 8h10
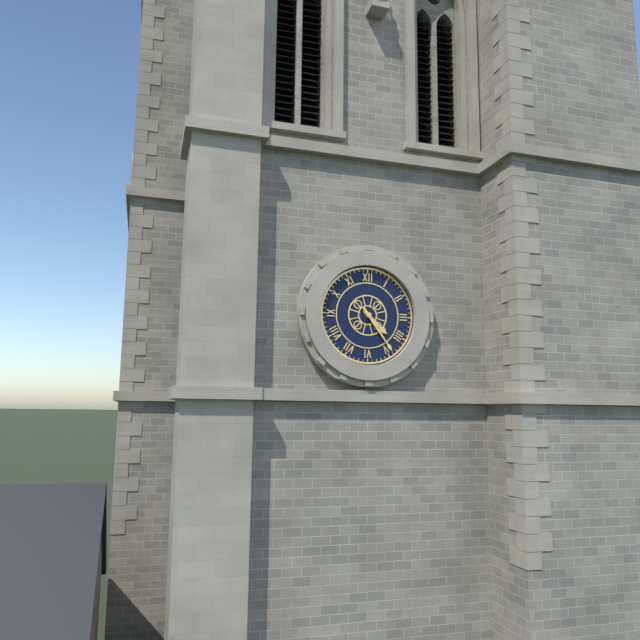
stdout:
4h24
